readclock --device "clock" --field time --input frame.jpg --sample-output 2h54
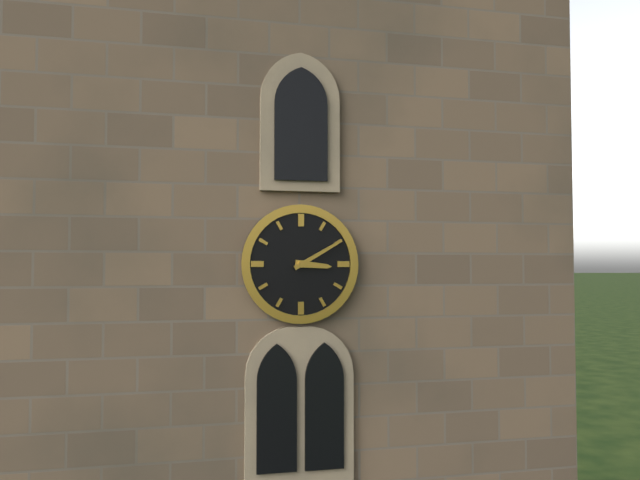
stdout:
3h10
